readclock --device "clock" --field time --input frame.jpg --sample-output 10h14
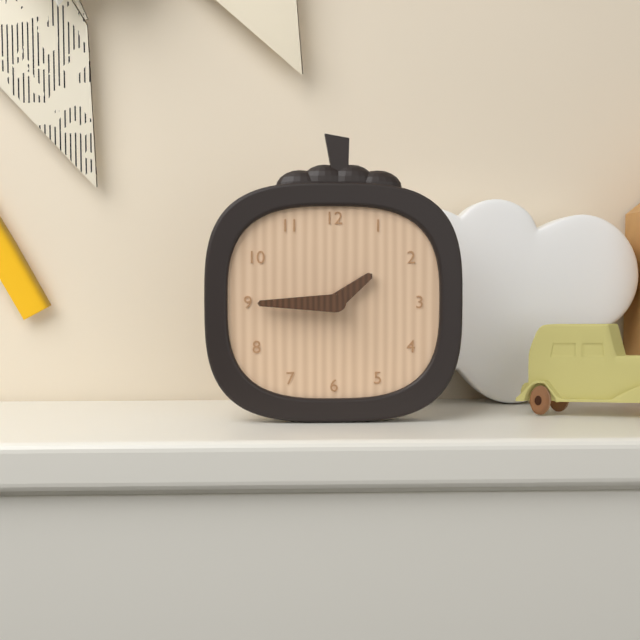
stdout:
1h45
